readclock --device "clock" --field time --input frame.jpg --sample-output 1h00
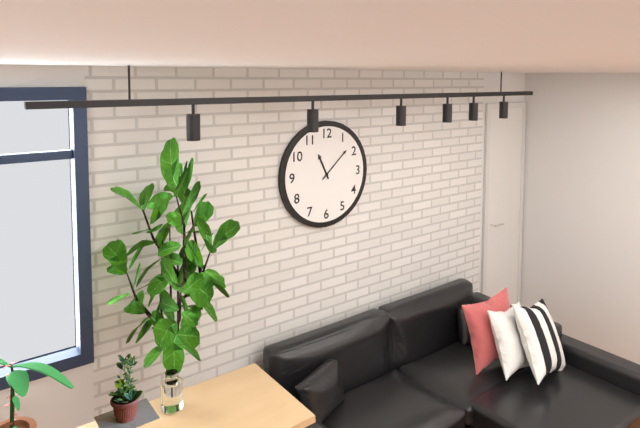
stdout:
11h08
